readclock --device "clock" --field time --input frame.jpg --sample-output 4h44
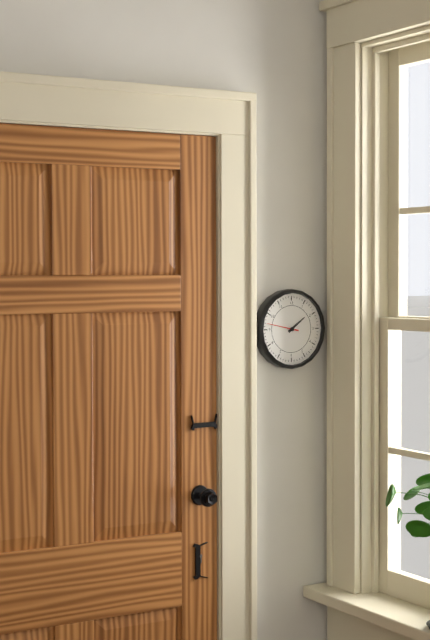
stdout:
1h47
